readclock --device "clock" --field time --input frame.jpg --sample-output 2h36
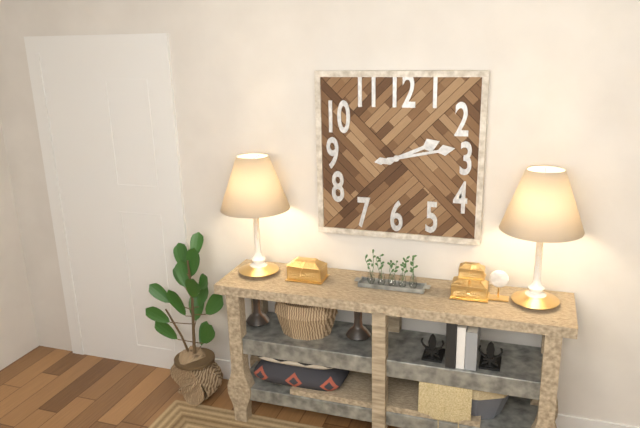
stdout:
2h13
